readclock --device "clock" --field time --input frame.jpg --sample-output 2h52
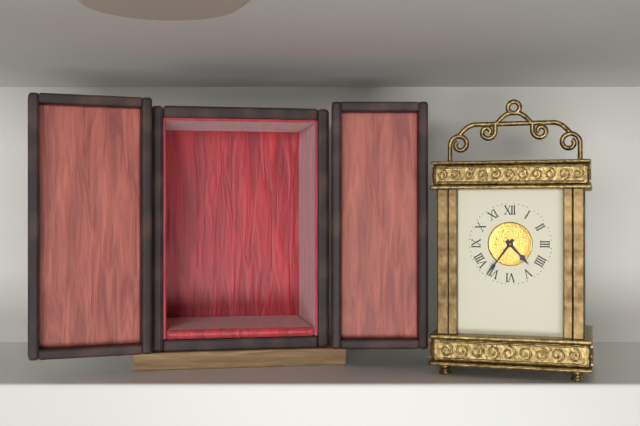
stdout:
4h36
